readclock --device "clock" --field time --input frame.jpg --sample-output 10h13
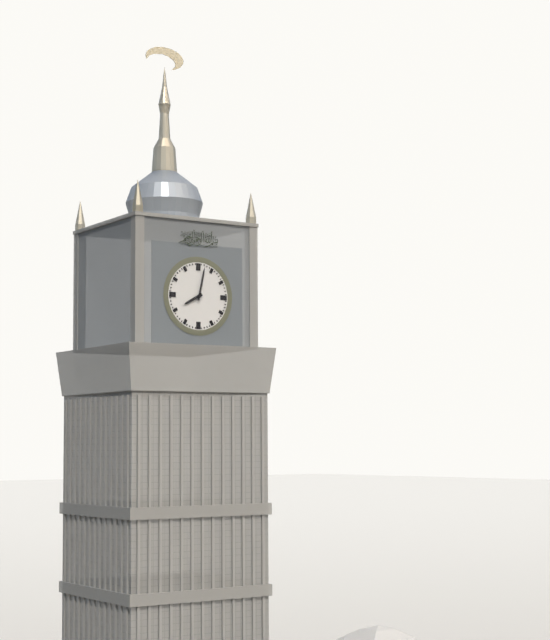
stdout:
8h02
